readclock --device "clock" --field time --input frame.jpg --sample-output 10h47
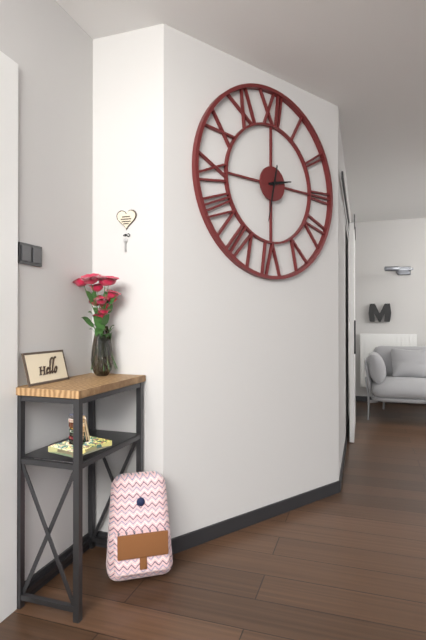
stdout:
2h32
